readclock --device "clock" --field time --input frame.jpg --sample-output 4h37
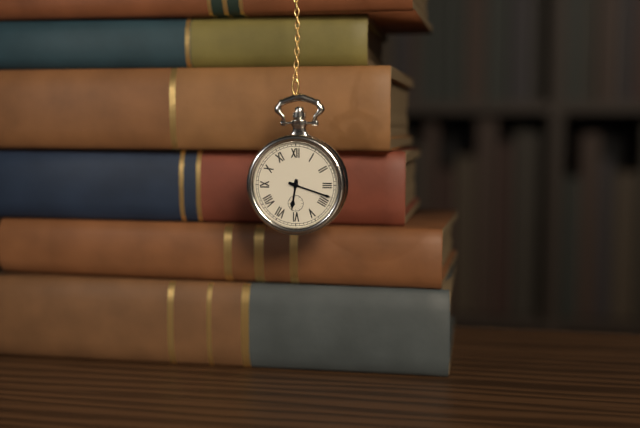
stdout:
6h18
